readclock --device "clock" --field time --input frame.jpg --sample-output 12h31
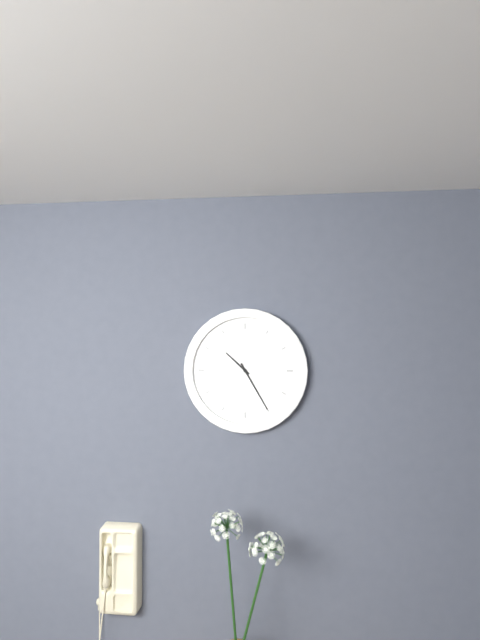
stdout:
10h25
